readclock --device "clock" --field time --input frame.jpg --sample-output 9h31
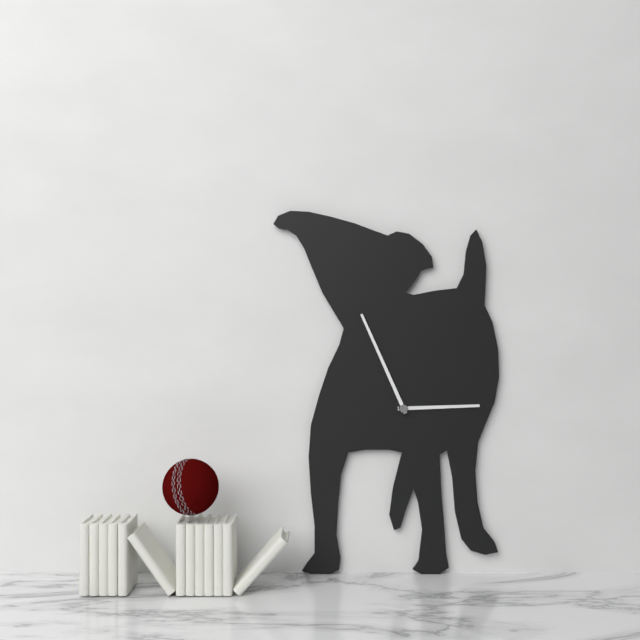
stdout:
2h56
